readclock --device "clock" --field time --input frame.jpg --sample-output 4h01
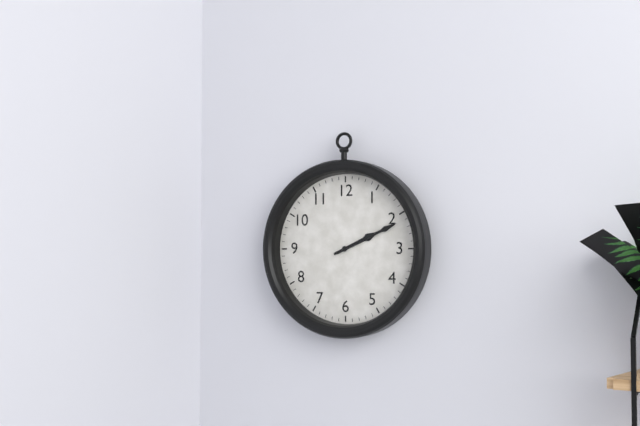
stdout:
2h11
